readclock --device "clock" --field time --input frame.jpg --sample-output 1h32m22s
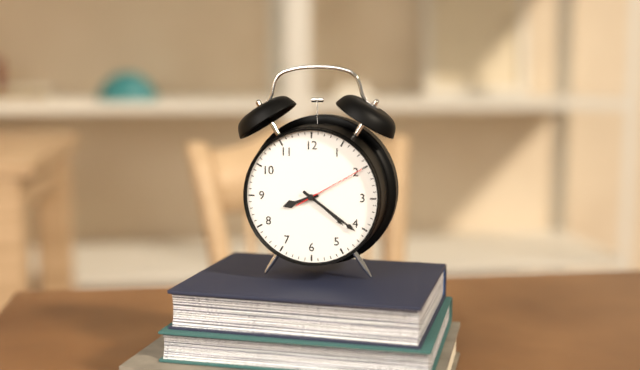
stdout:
8h21m10s
